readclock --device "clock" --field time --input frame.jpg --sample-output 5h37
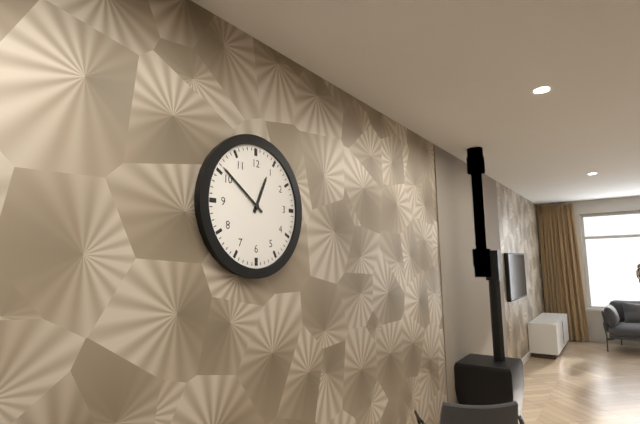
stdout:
12h51
